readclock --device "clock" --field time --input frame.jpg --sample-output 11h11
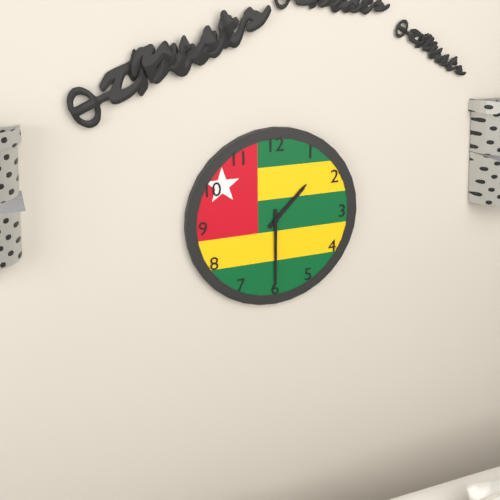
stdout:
1h30
